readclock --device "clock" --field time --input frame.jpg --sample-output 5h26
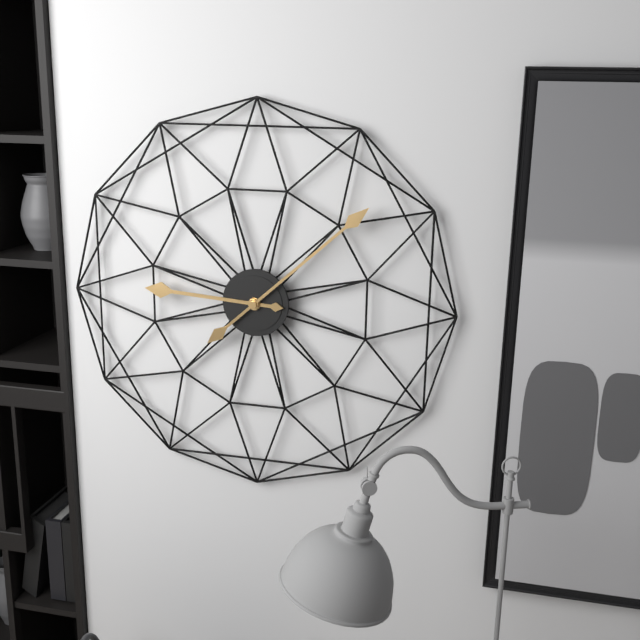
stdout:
9h08
